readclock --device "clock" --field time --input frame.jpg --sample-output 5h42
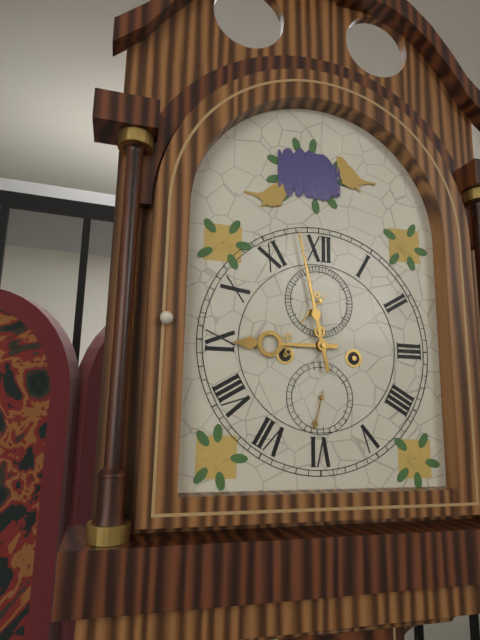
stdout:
8h58
